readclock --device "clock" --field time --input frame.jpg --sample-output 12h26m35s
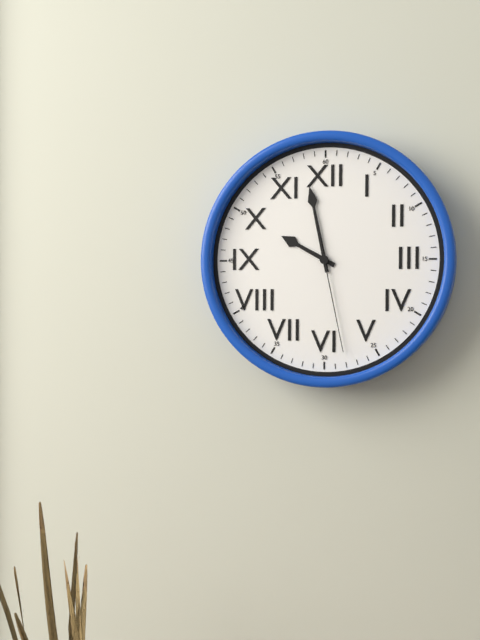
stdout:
9h58m28s
